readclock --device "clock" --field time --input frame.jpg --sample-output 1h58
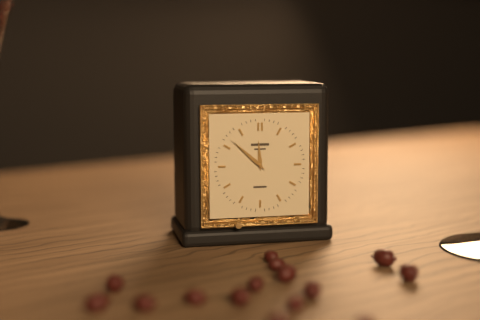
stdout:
11h52
